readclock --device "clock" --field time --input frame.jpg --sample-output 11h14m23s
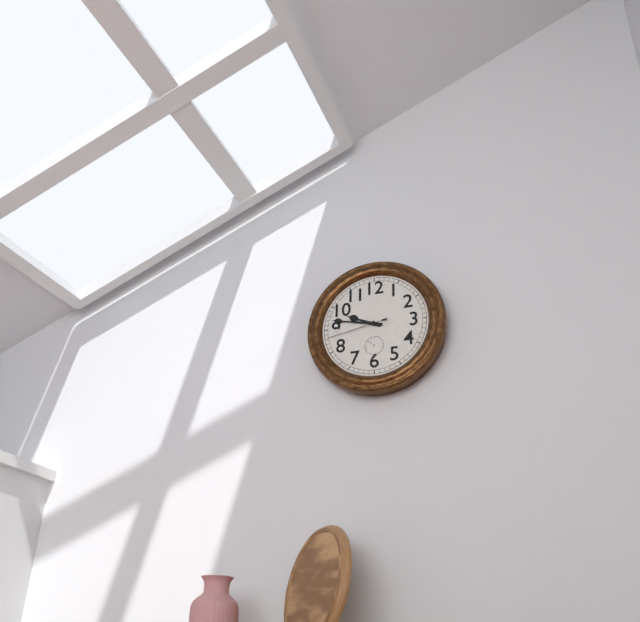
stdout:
9h47m43s
